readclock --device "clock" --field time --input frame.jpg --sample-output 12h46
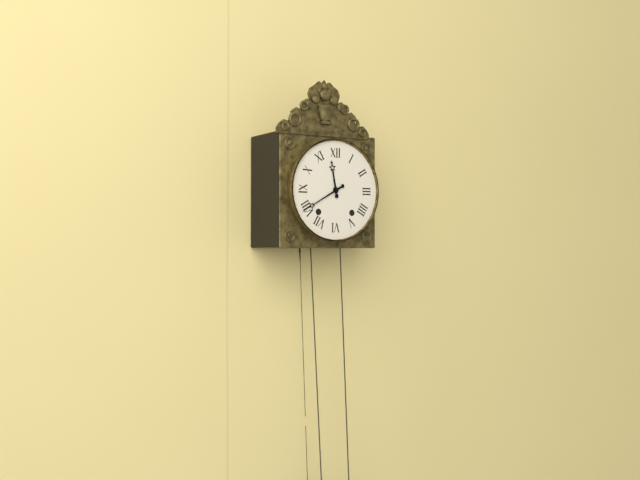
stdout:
11h40
